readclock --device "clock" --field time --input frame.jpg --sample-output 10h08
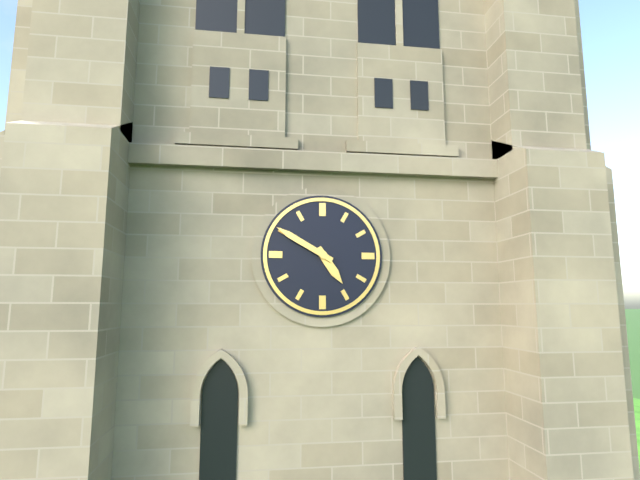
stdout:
4h50
